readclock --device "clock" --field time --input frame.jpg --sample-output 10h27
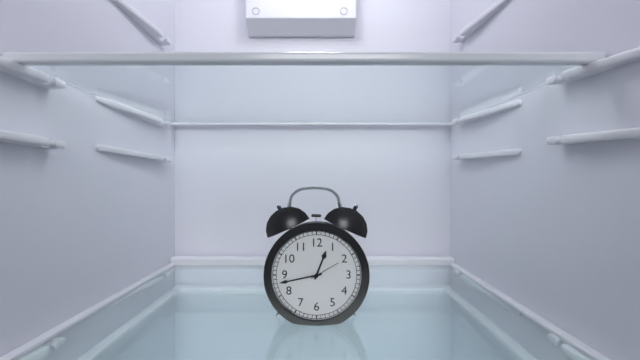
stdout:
12h43
